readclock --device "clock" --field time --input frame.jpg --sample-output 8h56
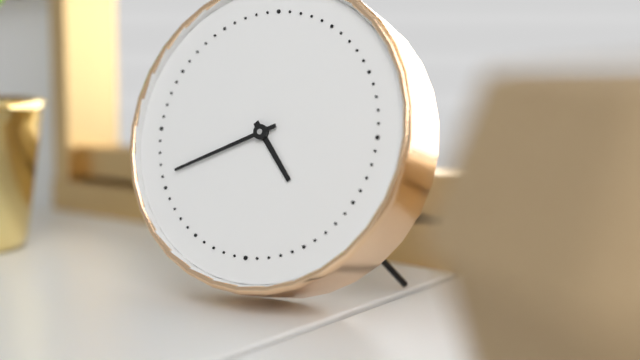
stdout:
4h41
